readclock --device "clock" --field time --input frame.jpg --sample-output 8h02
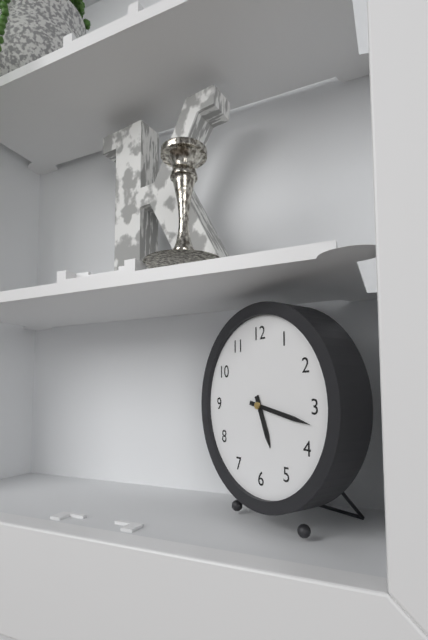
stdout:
5h17
